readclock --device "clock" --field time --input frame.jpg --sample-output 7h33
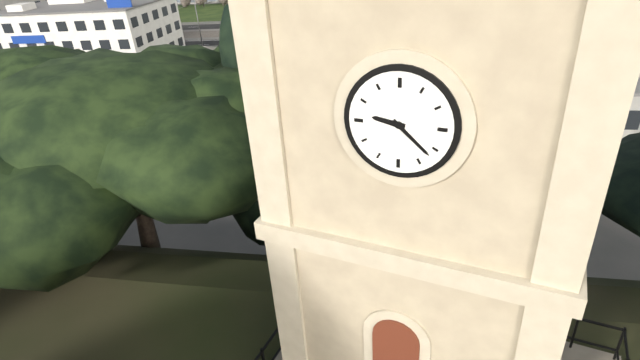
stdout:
9h22
